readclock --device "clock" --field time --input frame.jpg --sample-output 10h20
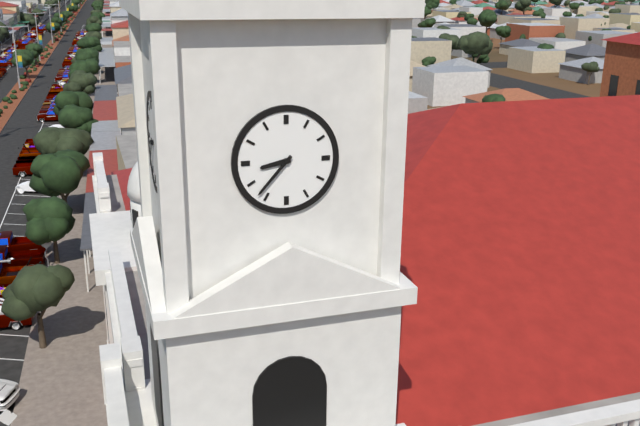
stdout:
8h37
